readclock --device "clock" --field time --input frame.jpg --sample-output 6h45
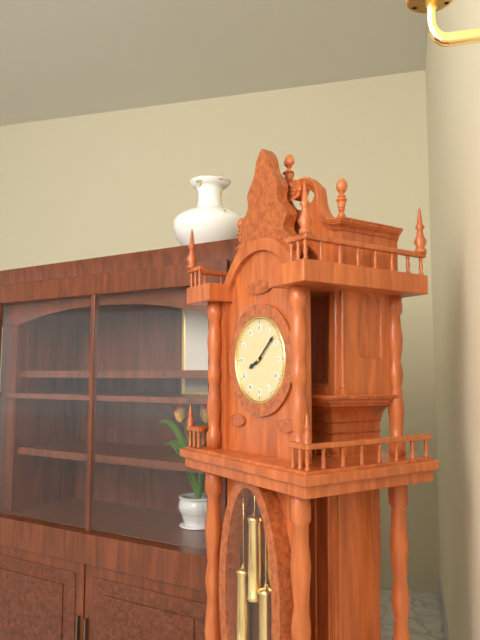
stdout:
8h08
